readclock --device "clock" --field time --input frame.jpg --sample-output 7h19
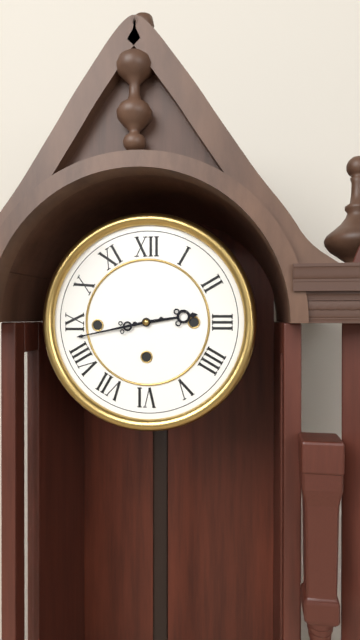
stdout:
2h43
